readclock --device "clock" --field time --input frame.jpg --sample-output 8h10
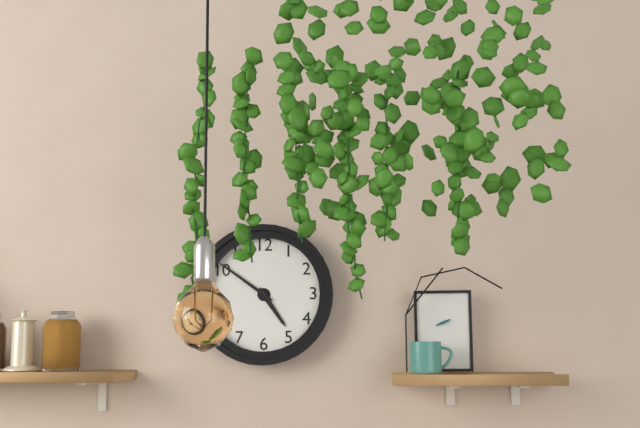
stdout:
4h51
